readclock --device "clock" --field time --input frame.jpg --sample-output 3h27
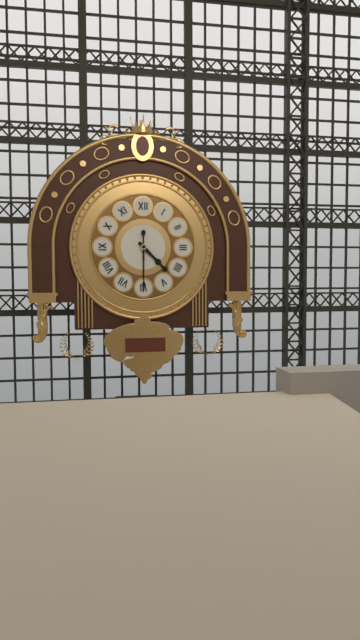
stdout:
4h30
